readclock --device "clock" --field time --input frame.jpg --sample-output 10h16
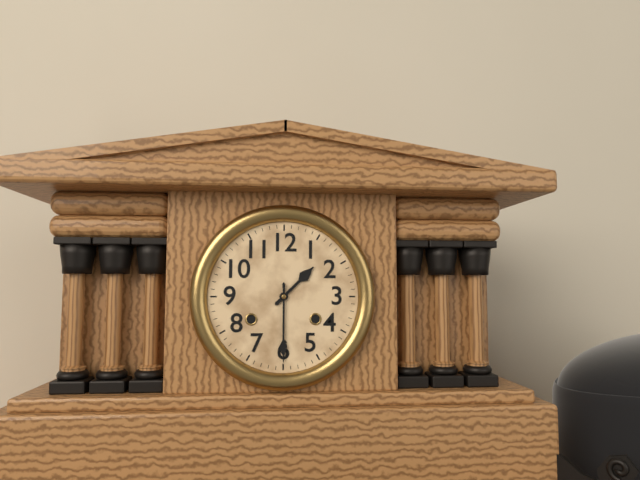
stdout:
1h30
